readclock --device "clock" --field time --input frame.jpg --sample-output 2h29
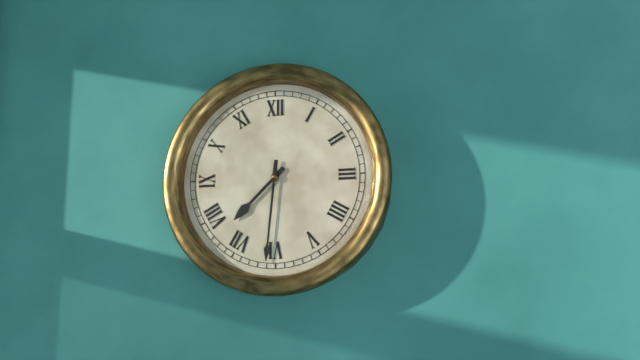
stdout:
7h31
